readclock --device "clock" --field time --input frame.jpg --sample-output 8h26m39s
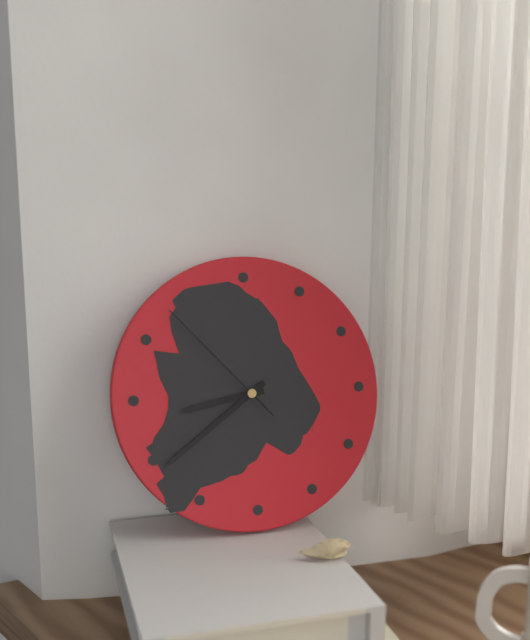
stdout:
8h39m53s
